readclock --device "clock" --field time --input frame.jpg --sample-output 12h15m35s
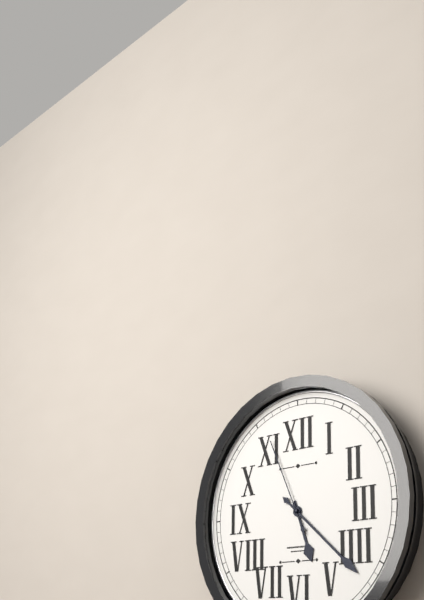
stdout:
5h22m56s
